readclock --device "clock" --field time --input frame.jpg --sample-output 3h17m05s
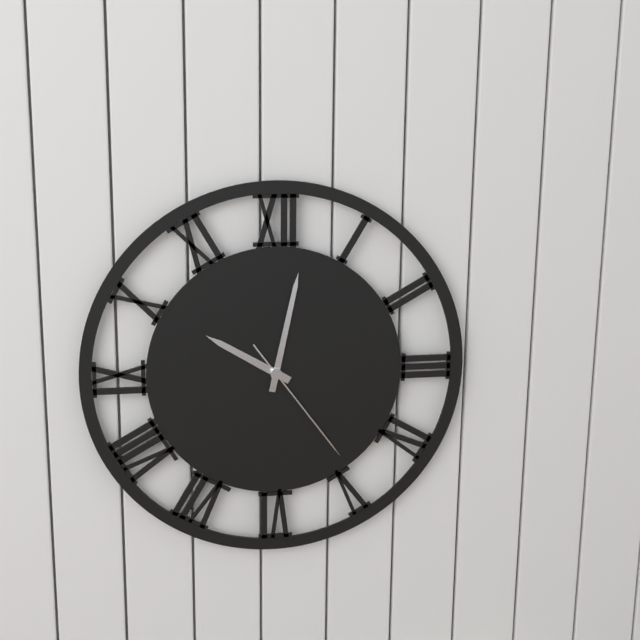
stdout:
10h02m24s
